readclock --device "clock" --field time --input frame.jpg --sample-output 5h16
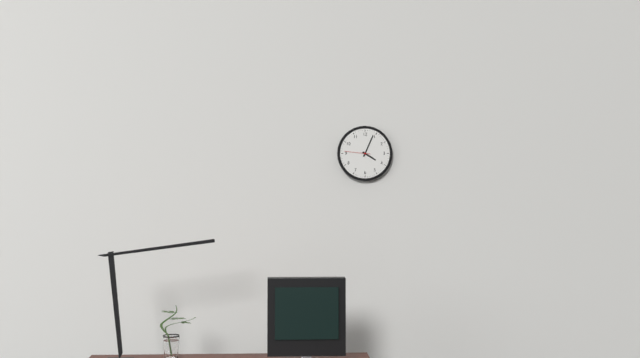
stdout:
4h04
